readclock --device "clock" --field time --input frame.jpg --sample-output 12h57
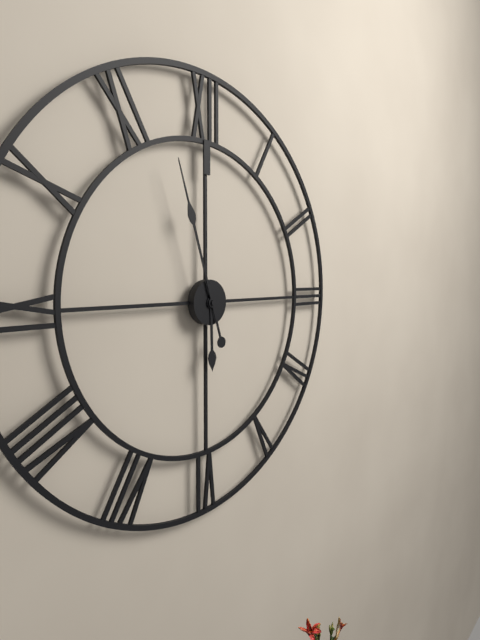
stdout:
5h57
